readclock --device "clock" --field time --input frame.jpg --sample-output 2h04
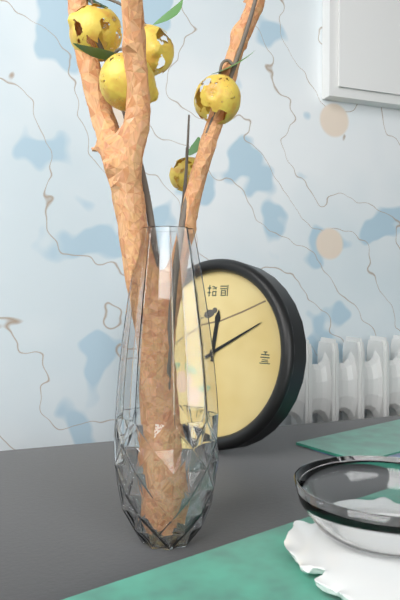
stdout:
12h10
